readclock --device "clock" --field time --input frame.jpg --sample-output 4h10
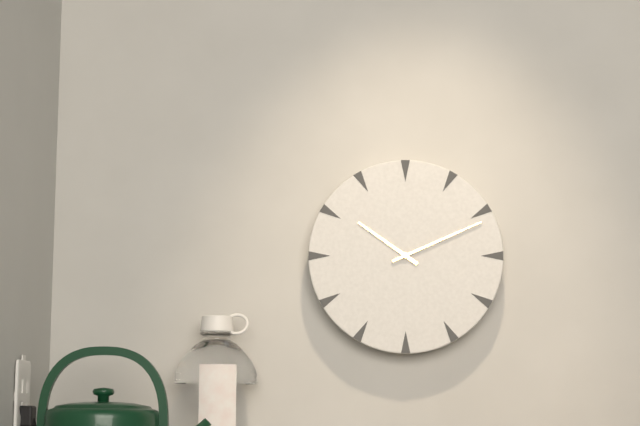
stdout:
10h11
